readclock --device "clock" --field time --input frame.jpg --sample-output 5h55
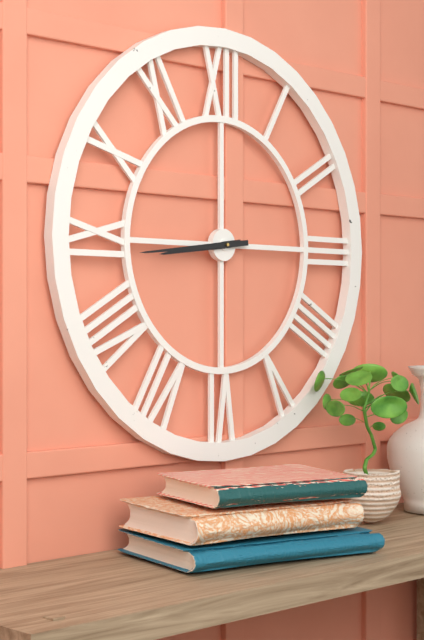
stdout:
8h44
